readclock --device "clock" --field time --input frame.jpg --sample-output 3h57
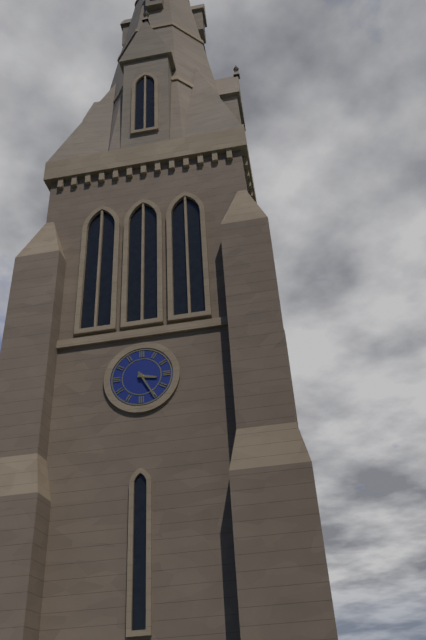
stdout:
3h25
